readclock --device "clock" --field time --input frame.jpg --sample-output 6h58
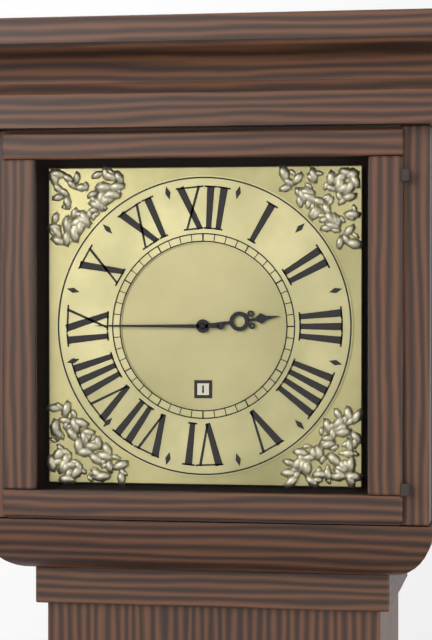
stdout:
2h45
